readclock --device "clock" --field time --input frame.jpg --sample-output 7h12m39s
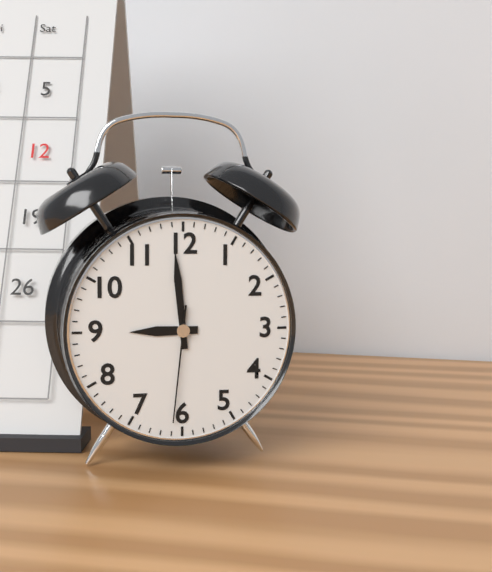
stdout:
8h59m31s
